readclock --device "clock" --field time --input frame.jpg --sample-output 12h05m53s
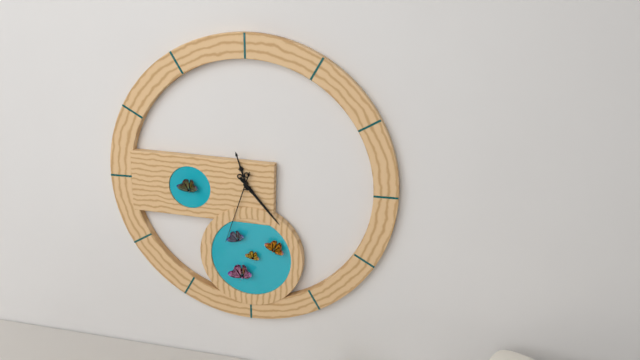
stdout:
11h23m33s
